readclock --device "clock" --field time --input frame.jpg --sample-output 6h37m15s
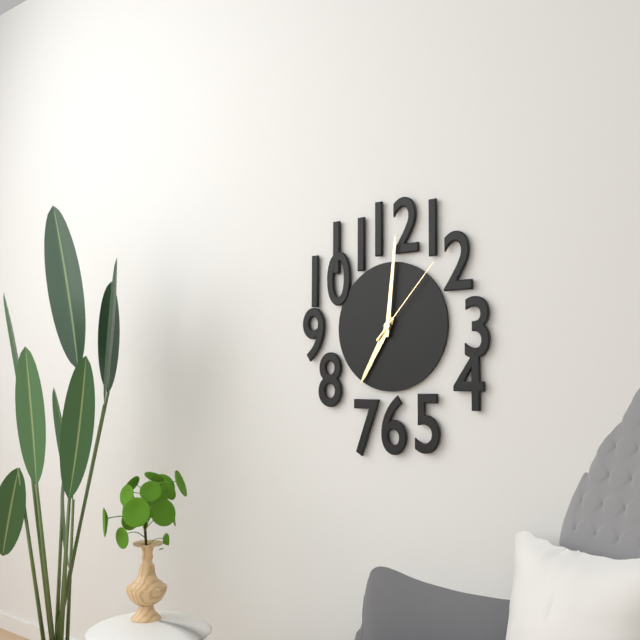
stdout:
7h01m07s
